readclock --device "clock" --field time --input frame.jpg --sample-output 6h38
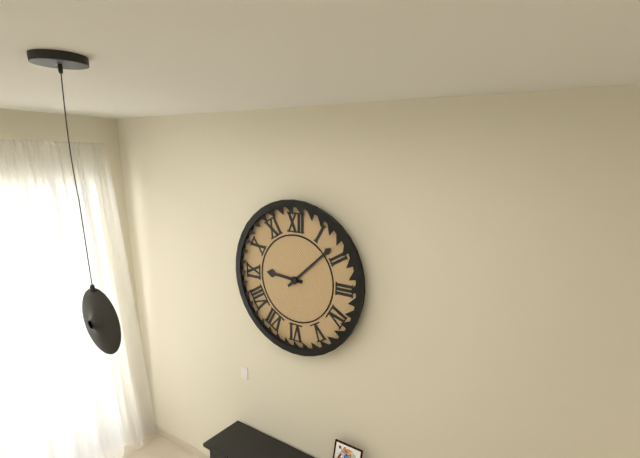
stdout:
9h08
